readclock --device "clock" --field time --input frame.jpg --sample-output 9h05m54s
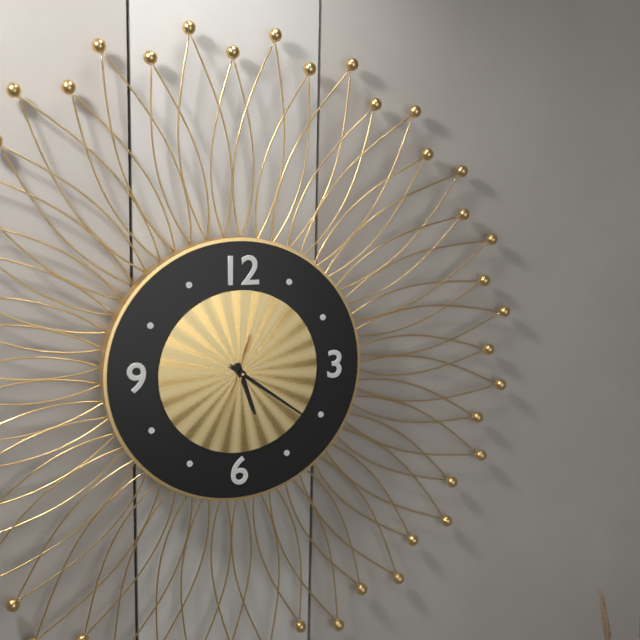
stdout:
5h21m33s
